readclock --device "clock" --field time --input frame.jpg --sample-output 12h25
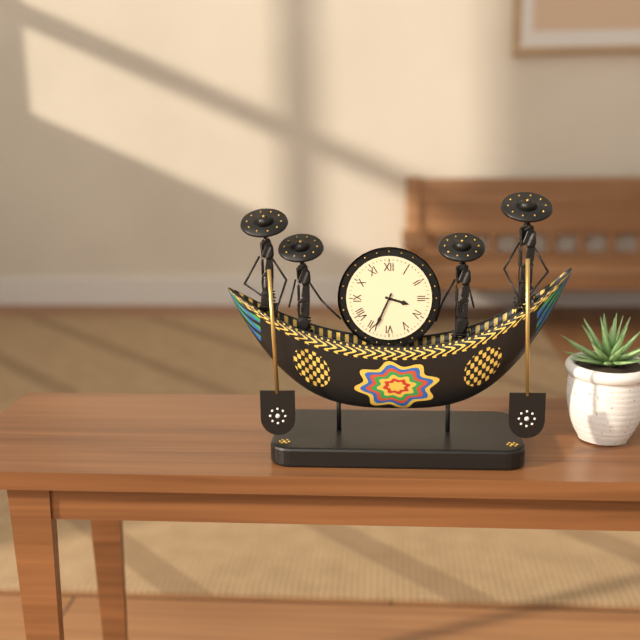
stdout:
3h34
